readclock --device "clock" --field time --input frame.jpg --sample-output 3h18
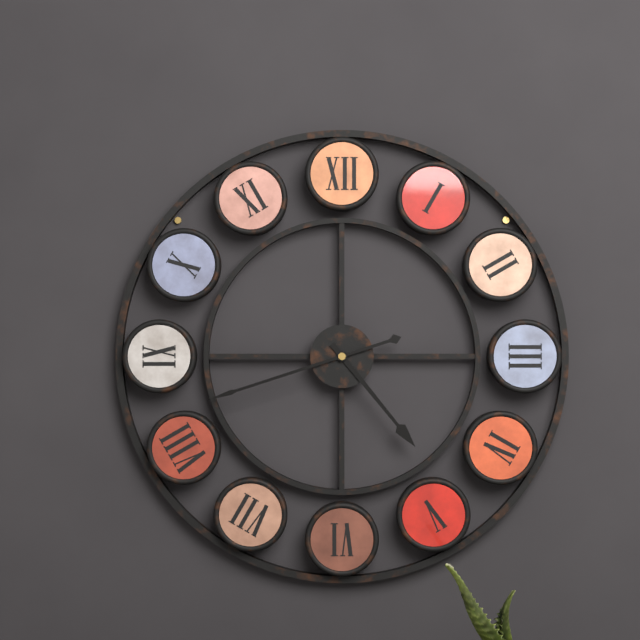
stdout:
4h42
